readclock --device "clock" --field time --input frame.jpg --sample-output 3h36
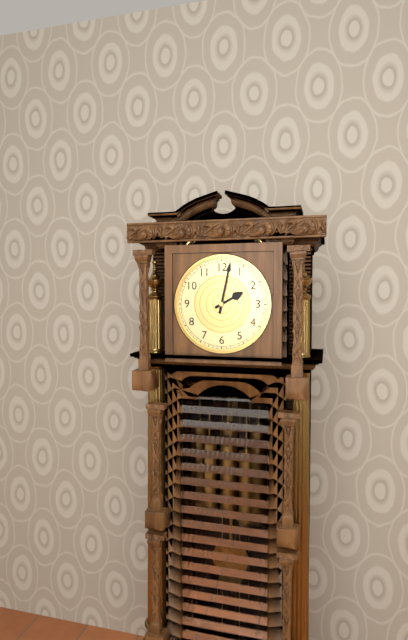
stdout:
2h02
